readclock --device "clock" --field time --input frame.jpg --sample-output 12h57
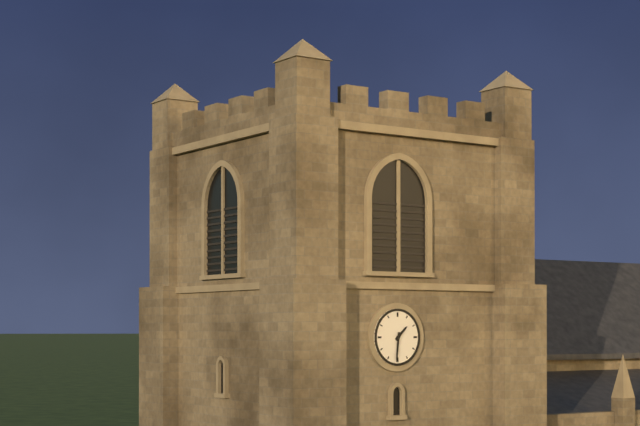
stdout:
1h31
